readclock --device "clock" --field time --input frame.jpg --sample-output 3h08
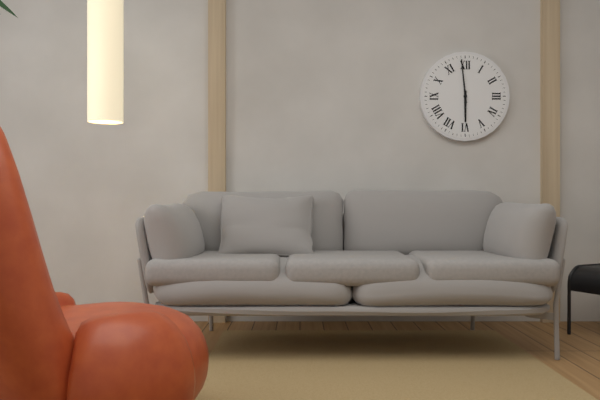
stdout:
5h59
